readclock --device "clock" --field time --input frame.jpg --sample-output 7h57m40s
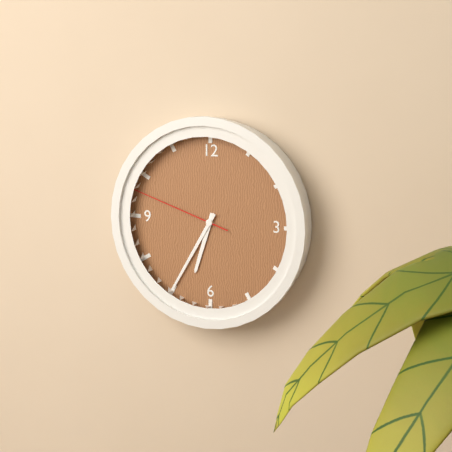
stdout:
6h35m48s
